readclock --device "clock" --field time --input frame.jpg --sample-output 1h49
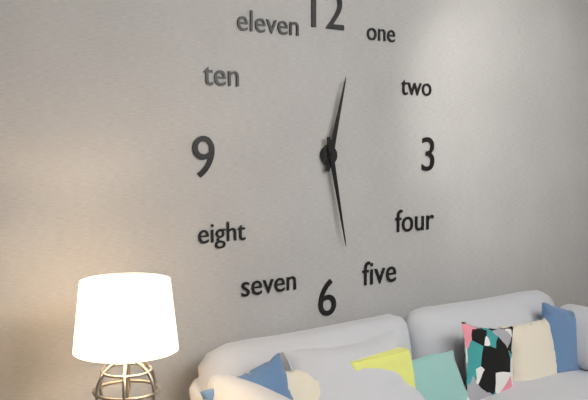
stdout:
12h28
